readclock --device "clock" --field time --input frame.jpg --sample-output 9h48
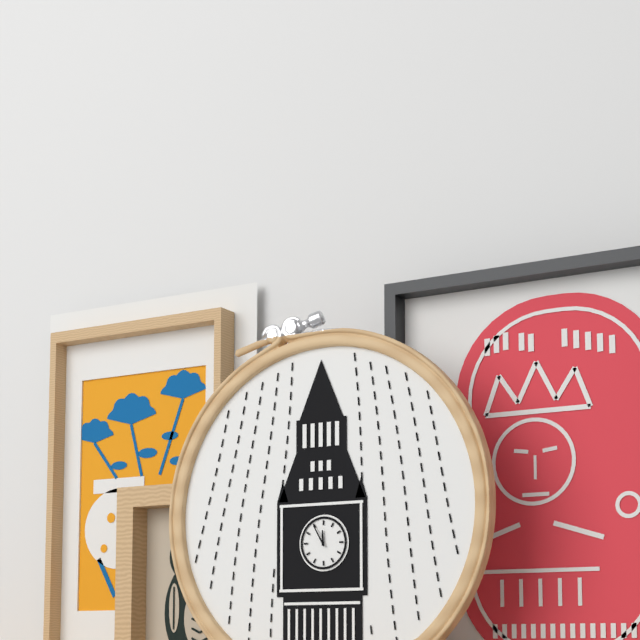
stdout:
11h55
